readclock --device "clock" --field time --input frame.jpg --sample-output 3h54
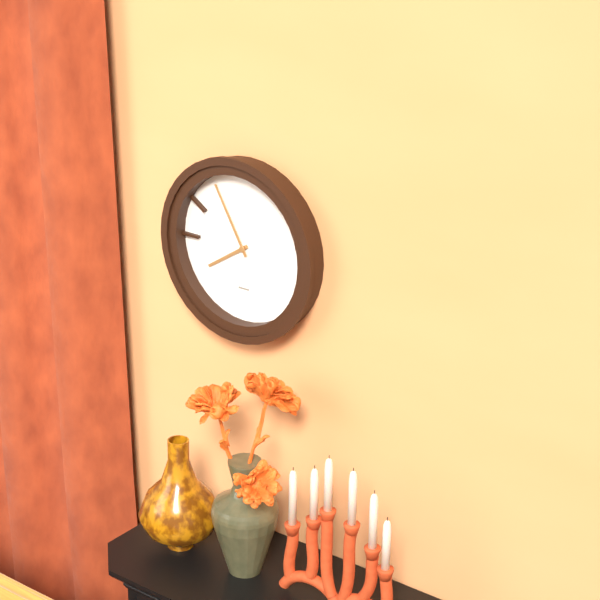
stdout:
7h55
